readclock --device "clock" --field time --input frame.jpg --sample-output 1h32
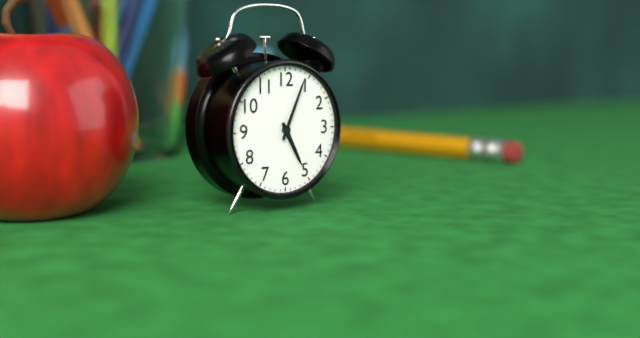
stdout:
5h04
